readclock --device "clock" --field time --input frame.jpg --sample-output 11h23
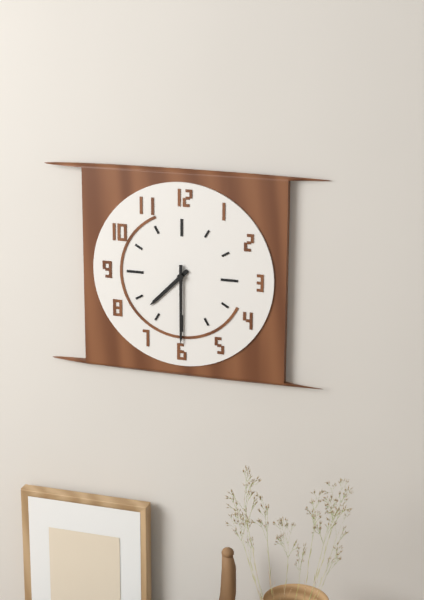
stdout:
7h30
